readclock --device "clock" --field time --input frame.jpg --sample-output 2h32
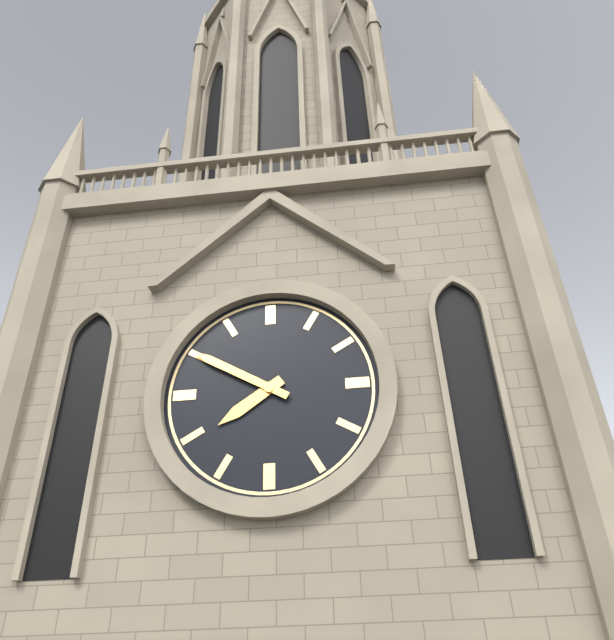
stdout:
7h50
